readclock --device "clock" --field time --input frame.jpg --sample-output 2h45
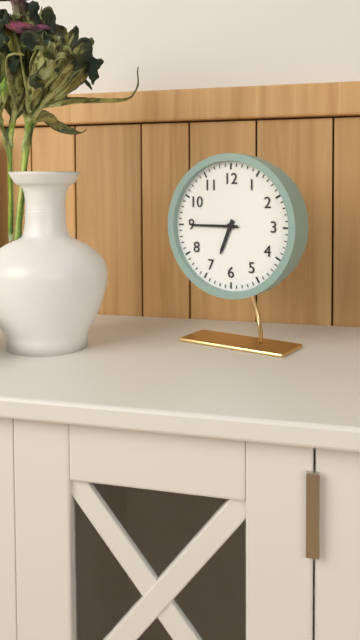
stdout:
6h45
